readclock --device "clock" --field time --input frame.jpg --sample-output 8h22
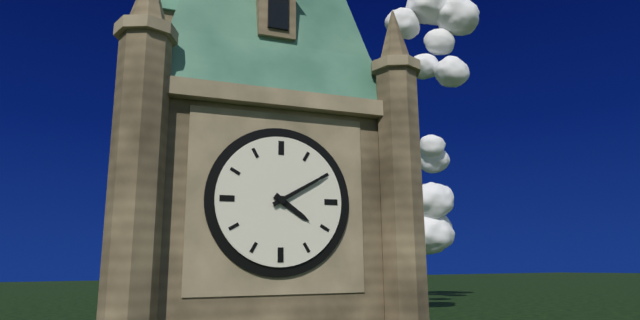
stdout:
4h10
